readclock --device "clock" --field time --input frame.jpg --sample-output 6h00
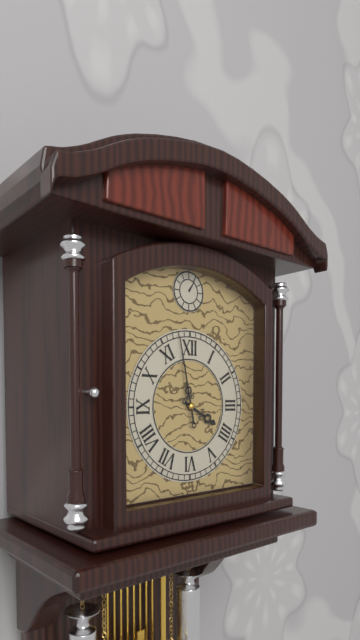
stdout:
3h58
